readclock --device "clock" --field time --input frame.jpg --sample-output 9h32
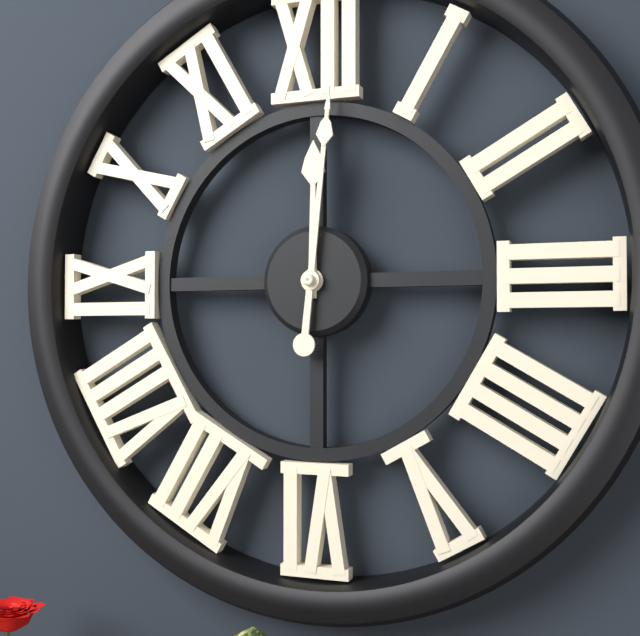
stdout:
12h01
